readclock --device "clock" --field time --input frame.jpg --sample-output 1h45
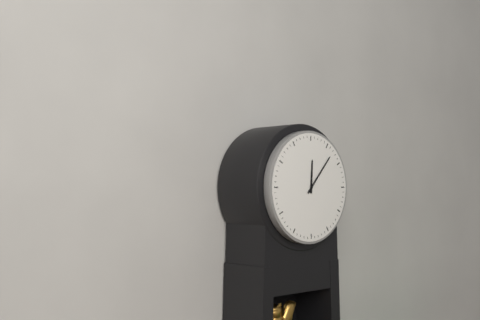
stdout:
12h07
